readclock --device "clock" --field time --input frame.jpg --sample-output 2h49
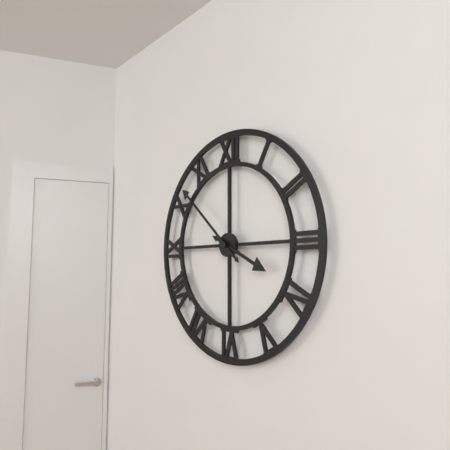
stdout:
3h52
